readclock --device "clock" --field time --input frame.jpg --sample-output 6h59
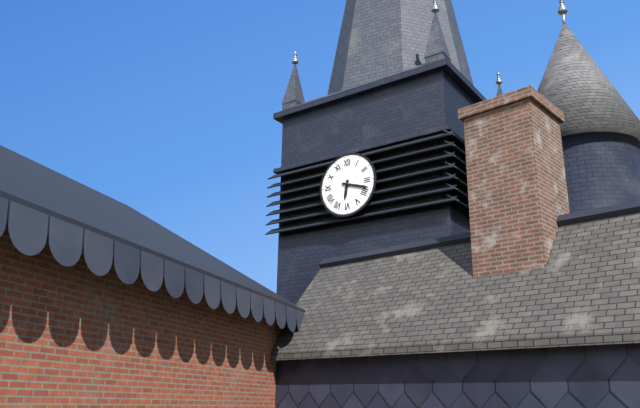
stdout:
6h18
